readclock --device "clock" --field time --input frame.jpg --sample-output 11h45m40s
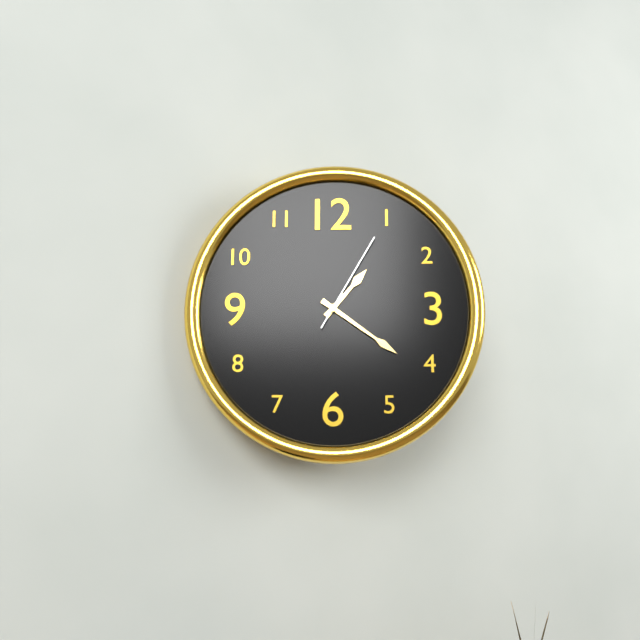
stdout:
1h21m05s
